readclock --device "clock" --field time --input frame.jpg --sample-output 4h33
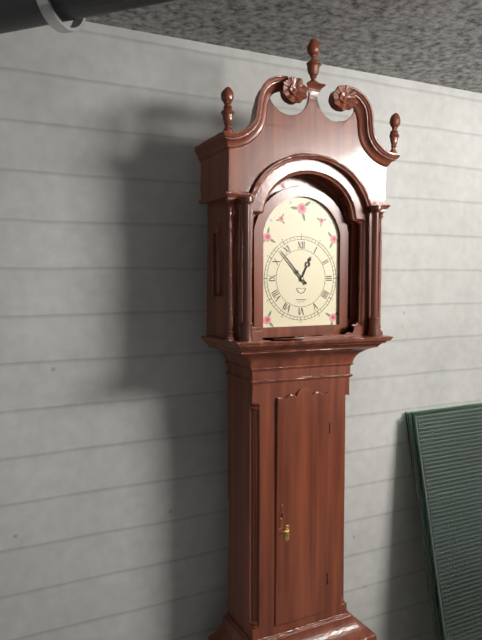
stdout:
12h53
